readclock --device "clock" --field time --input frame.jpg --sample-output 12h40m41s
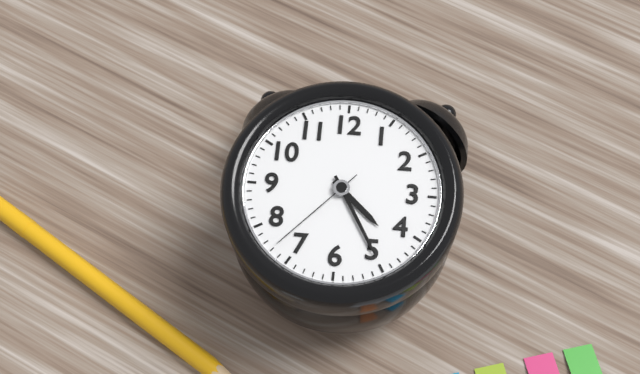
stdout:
4h25m37s
